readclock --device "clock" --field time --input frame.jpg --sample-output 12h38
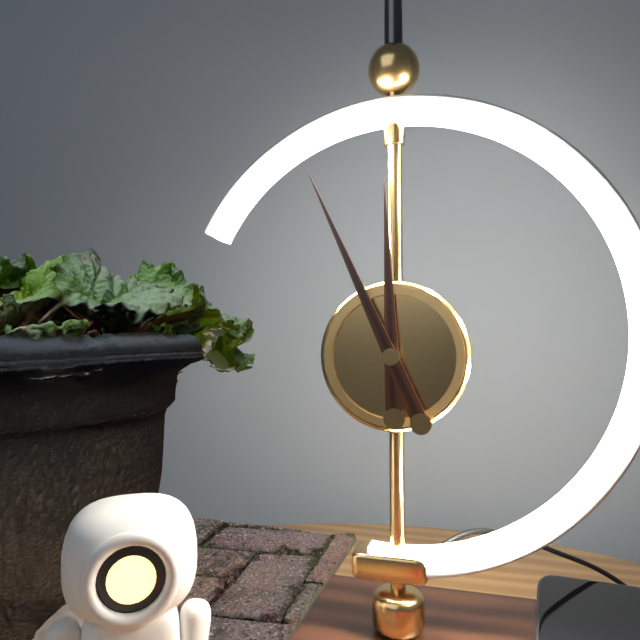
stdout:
11h56
